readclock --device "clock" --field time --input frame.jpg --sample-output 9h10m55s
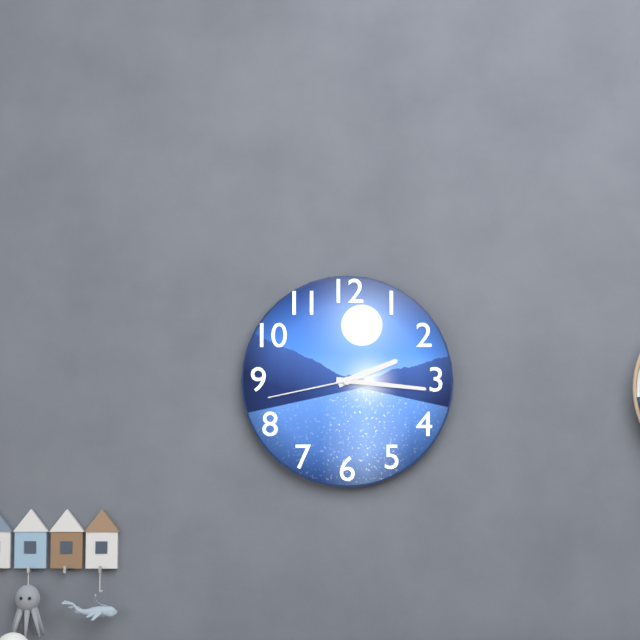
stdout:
2h16m43s
